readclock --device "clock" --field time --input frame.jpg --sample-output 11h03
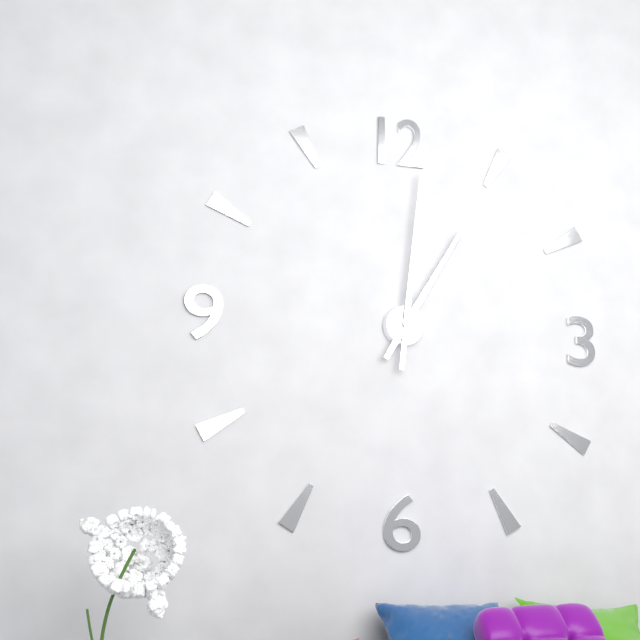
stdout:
1h01
